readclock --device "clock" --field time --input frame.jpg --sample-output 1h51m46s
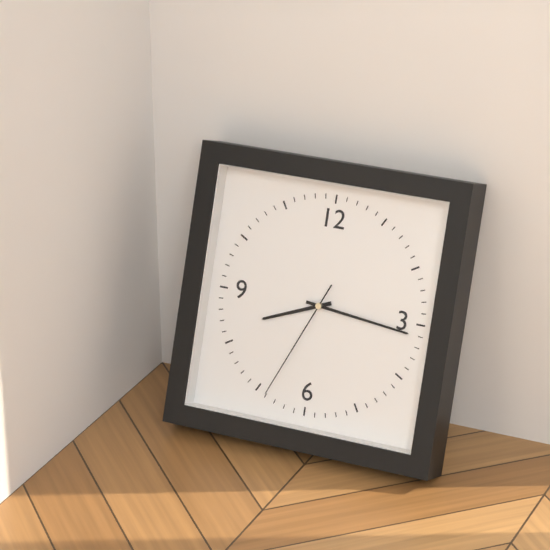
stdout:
8h16m34s
